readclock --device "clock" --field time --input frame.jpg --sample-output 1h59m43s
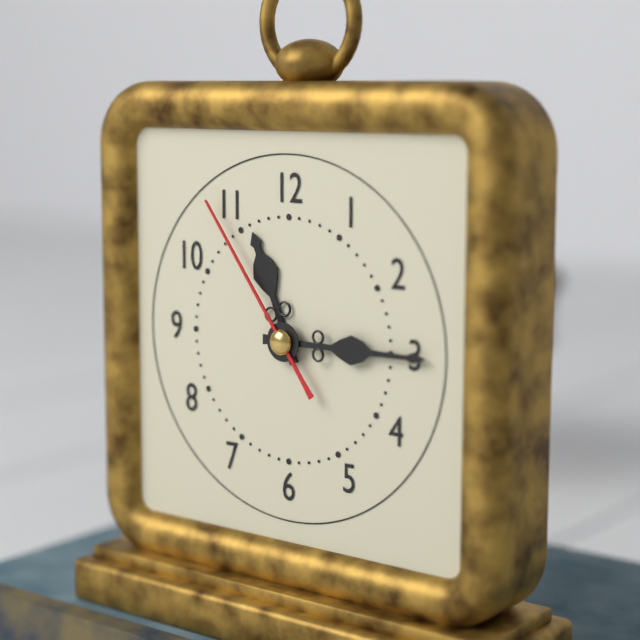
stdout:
11h15m54s
